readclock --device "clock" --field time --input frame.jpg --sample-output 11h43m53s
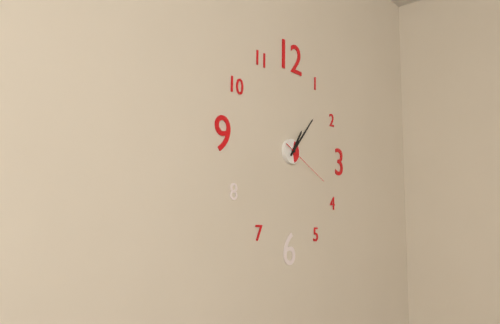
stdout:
1h07m19s
